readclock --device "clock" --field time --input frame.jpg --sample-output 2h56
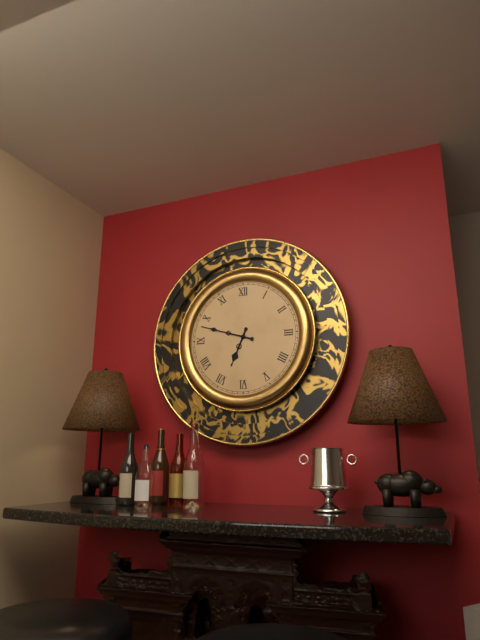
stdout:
6h48
